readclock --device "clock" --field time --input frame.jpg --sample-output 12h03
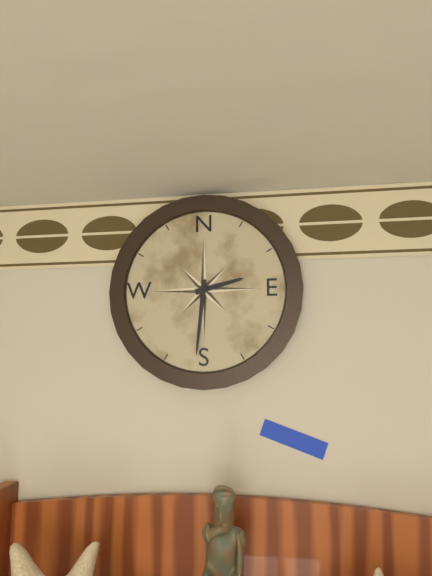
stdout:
2h31
